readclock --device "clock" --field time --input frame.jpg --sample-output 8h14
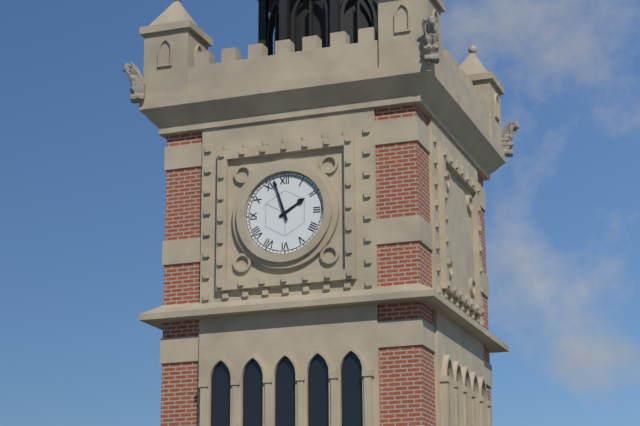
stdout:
1h57
